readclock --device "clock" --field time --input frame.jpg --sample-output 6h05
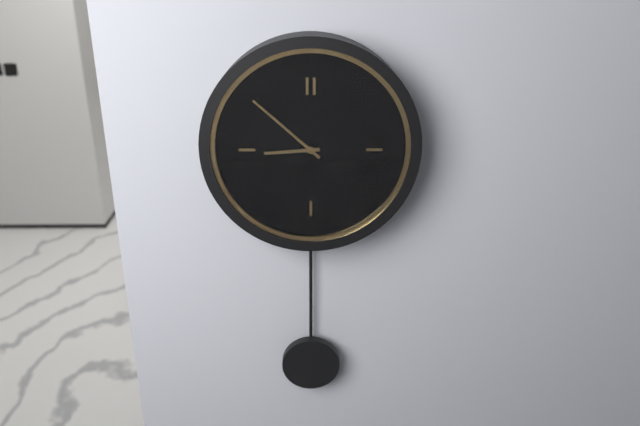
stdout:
8h52
